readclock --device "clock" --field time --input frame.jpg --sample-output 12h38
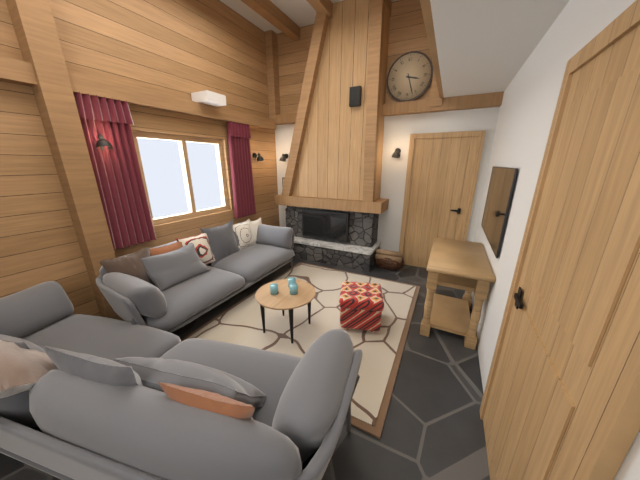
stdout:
3h27
